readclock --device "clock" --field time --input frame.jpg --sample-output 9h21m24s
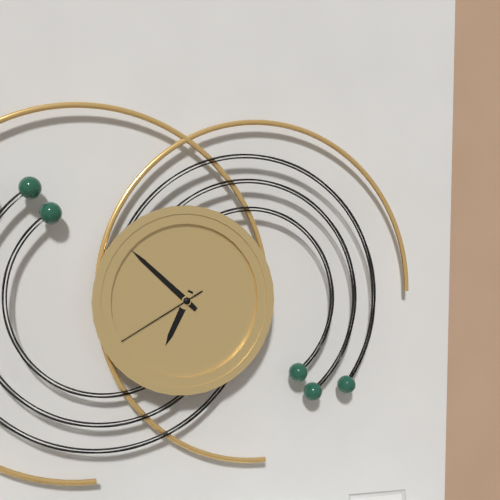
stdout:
6h52m40s
